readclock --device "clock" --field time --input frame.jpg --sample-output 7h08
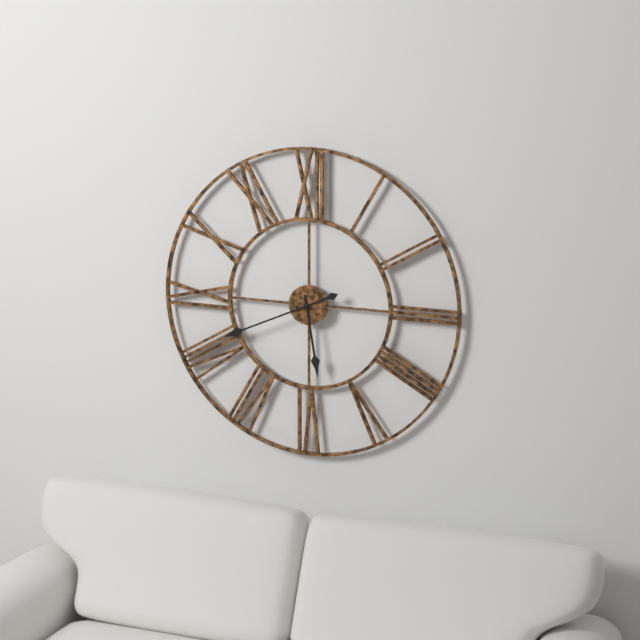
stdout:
5h41
